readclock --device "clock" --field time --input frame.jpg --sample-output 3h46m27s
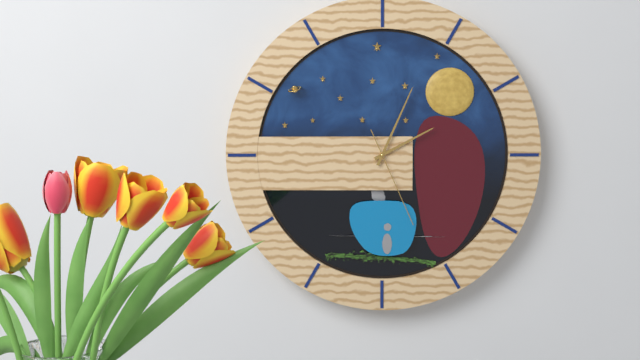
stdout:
2h04m26s
